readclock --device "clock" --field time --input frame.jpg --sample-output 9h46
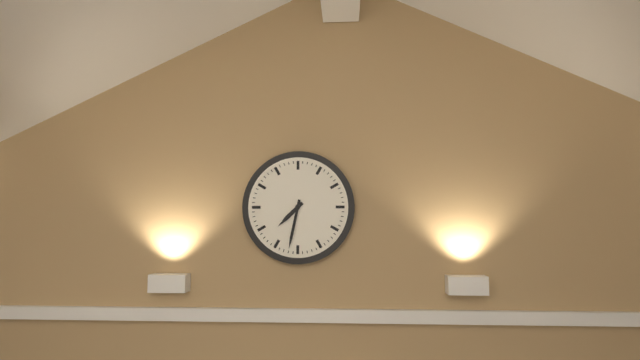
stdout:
7h32
